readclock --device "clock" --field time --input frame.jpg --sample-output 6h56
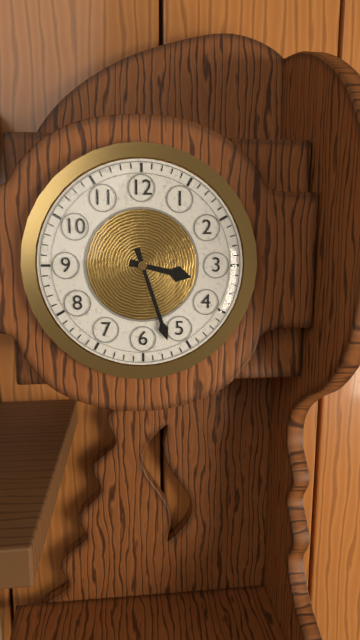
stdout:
3h27
